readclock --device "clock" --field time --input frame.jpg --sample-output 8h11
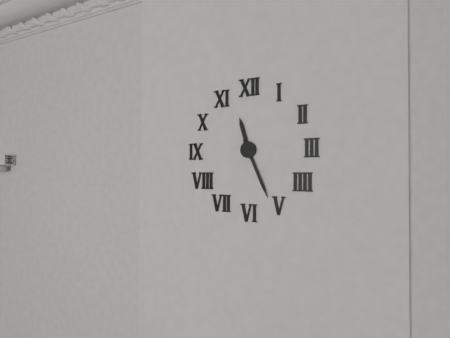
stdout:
11h26
